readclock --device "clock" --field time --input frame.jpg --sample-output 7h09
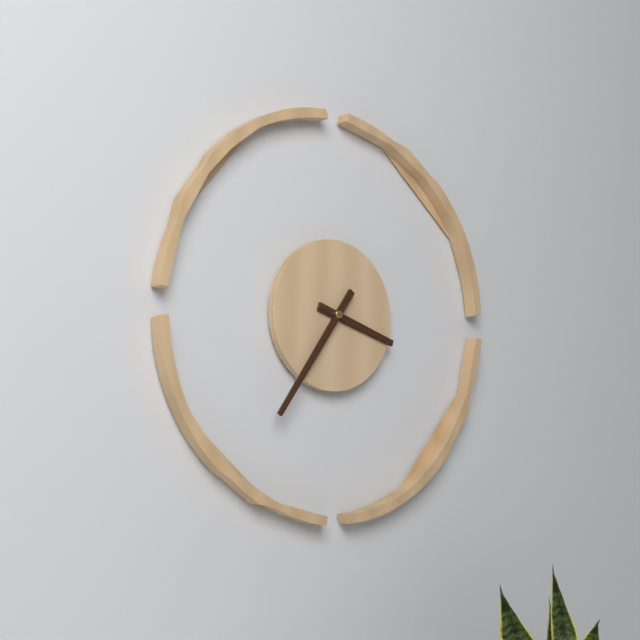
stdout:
3h36
